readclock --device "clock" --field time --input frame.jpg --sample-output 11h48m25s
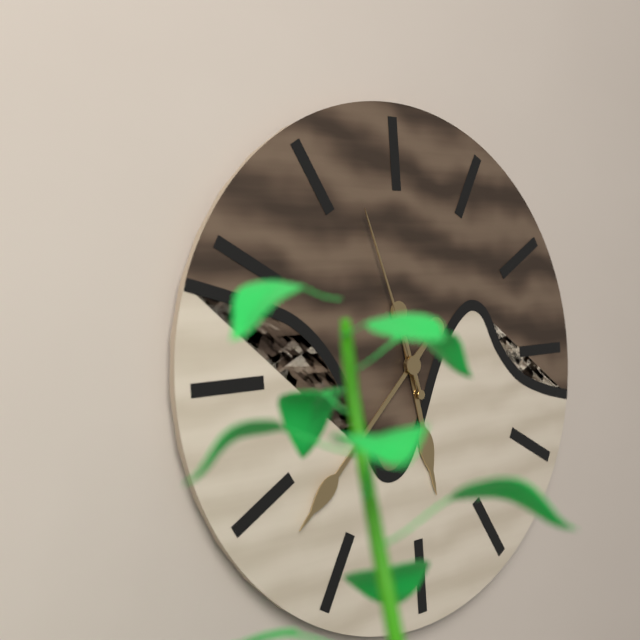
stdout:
5h38m57s
